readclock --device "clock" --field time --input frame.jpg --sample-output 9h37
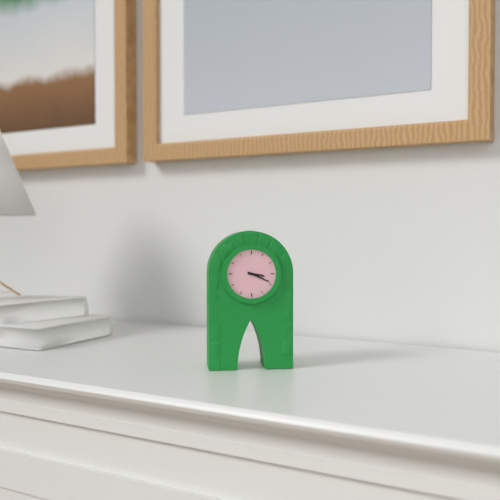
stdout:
3h19
